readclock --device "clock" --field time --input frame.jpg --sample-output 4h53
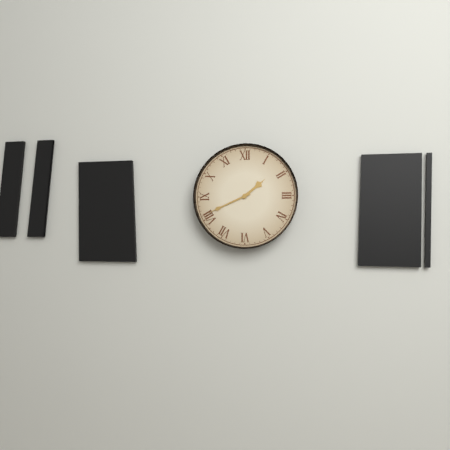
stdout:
1h41
